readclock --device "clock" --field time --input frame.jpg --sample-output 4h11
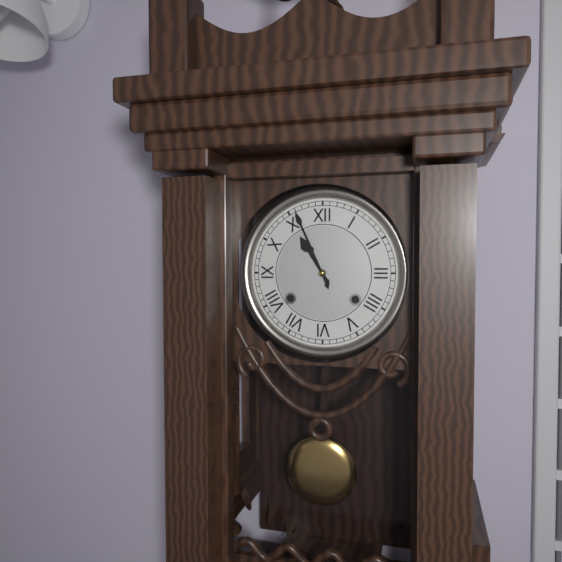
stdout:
10h56
